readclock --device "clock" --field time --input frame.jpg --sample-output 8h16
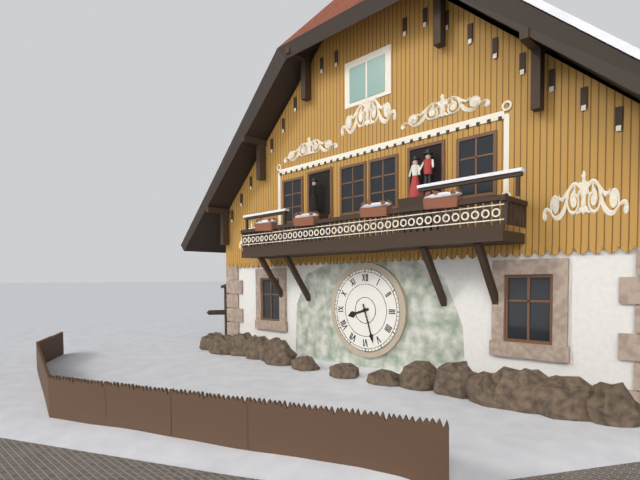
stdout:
8h27
